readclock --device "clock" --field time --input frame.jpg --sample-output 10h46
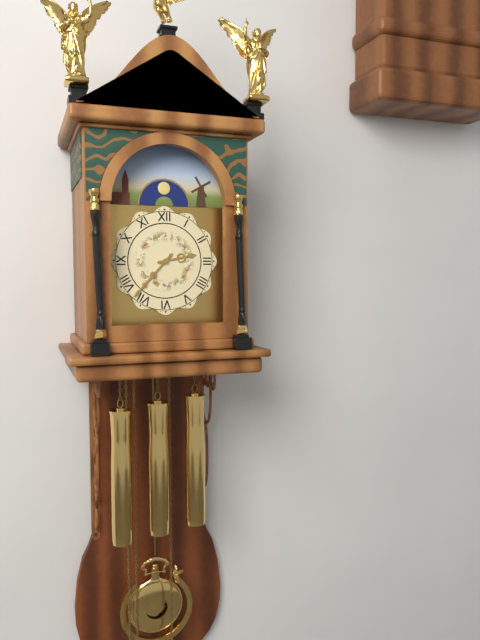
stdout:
2h37
